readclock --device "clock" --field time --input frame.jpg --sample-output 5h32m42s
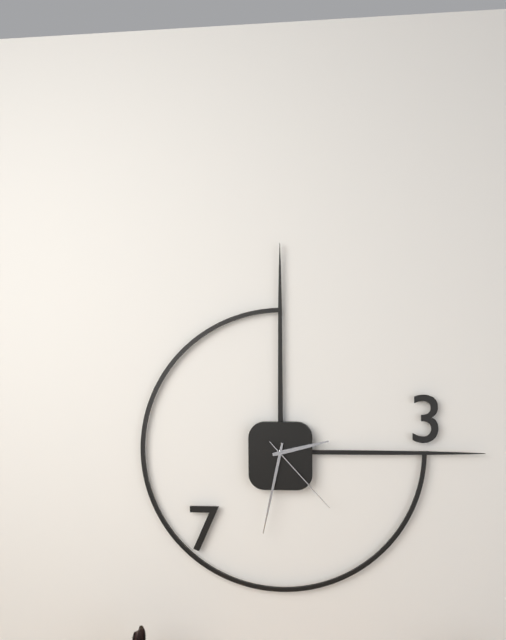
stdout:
2h32m23s
